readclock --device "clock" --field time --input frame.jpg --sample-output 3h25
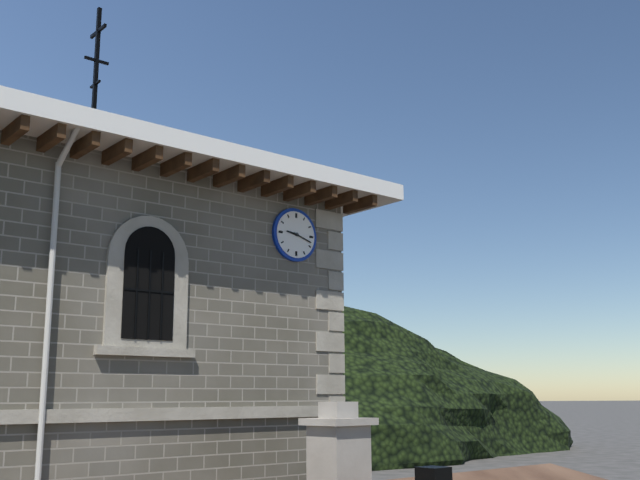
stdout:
9h18
